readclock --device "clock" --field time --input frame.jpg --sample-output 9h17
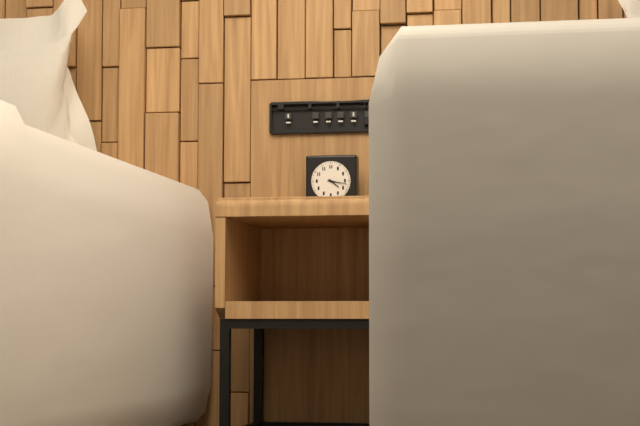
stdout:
4h17
